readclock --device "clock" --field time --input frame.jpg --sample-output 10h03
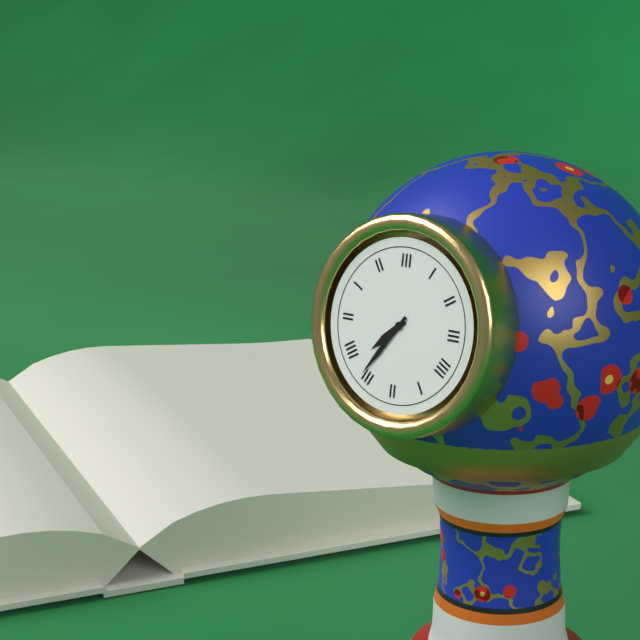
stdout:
7h36
